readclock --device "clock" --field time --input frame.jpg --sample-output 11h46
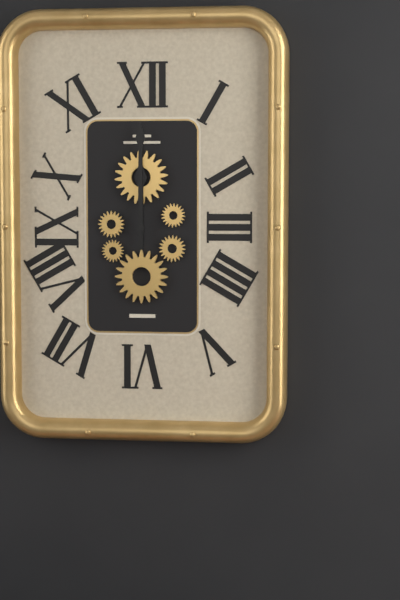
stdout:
12h00
